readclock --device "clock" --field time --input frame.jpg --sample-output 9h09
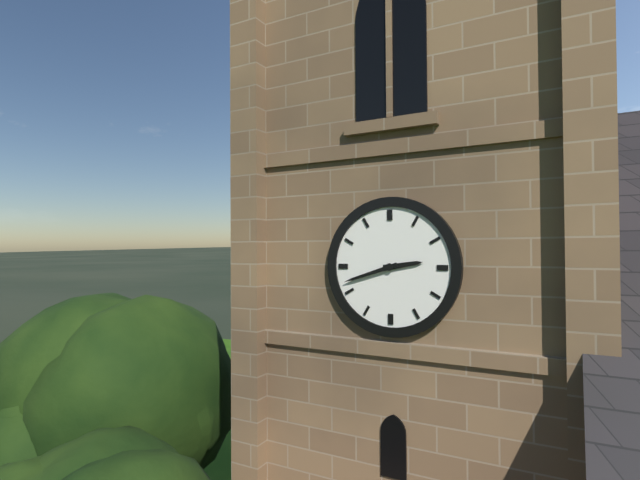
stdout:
2h42
